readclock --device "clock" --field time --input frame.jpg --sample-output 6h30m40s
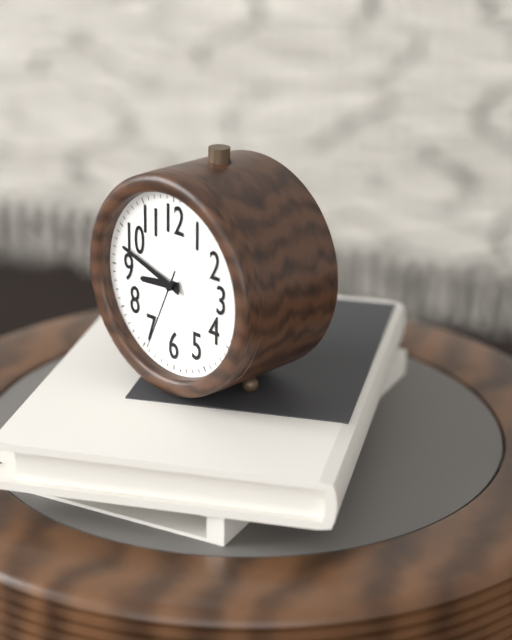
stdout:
8h48m34s
